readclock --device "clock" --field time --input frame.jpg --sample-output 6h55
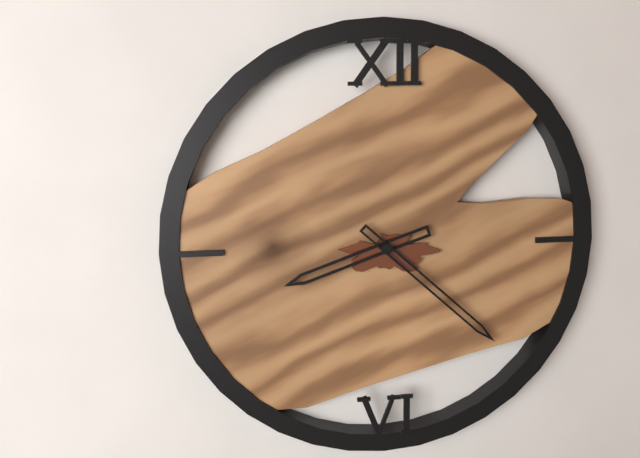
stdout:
8h22
